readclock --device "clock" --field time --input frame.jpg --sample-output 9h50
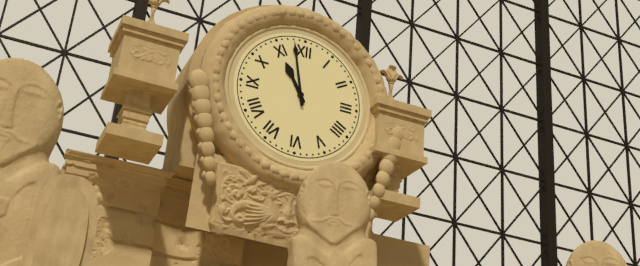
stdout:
10h58
